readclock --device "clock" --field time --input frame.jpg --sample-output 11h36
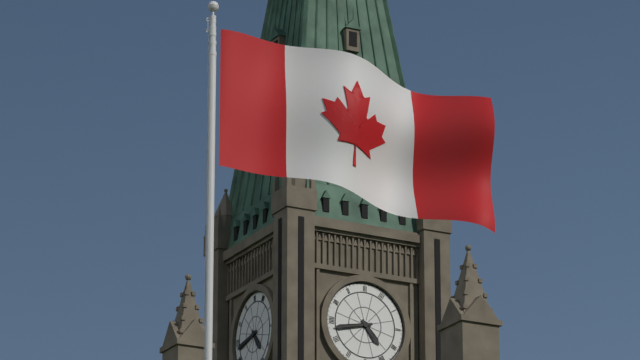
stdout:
4h43
